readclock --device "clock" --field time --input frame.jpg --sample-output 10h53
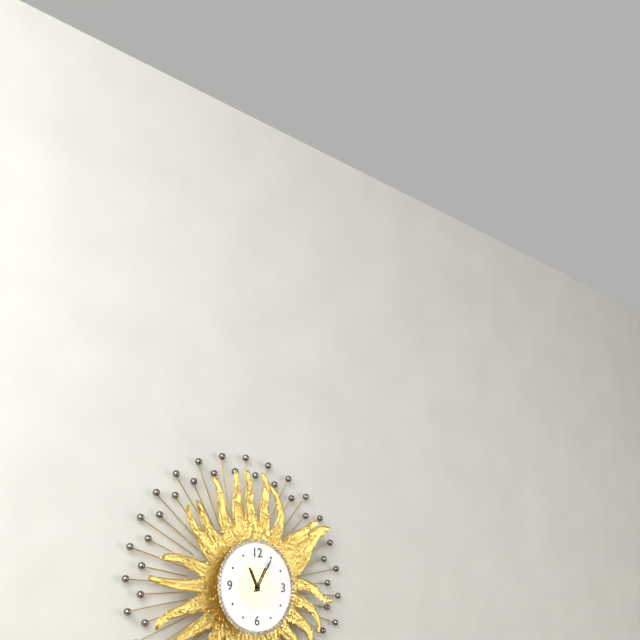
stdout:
11h05
